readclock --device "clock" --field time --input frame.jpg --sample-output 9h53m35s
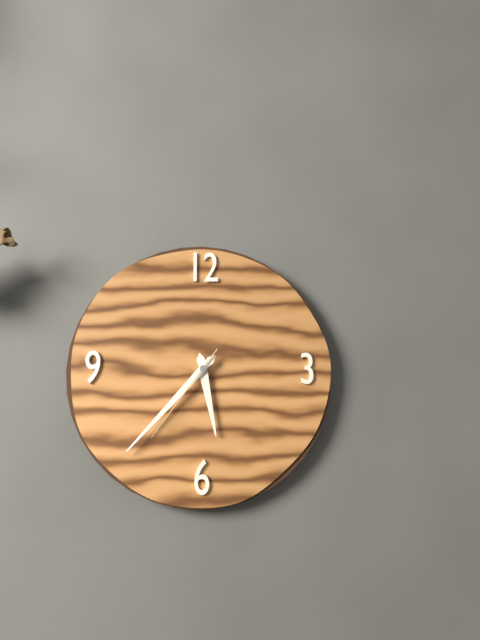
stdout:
5h37m36s
